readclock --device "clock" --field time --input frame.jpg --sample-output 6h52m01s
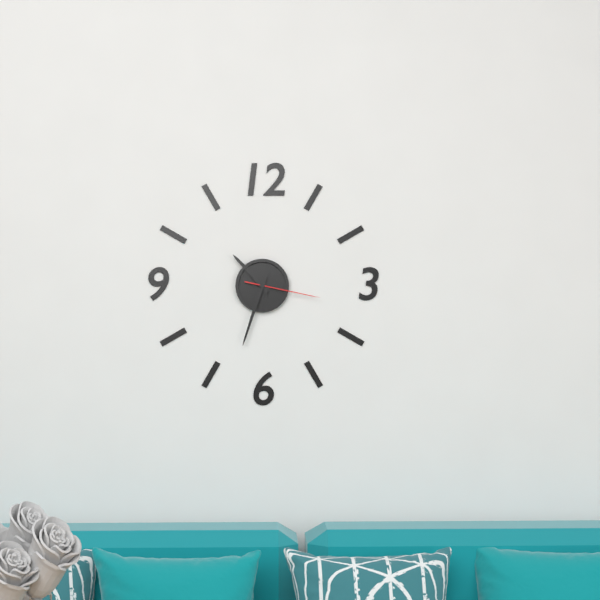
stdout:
10h33m17s
